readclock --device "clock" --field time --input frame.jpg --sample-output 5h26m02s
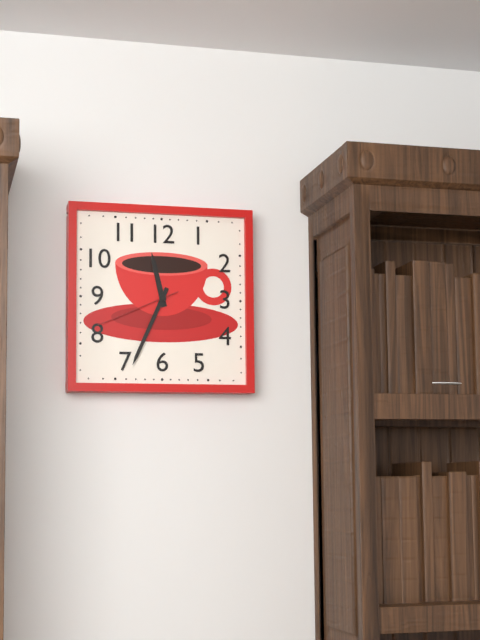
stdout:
11h34m41s
